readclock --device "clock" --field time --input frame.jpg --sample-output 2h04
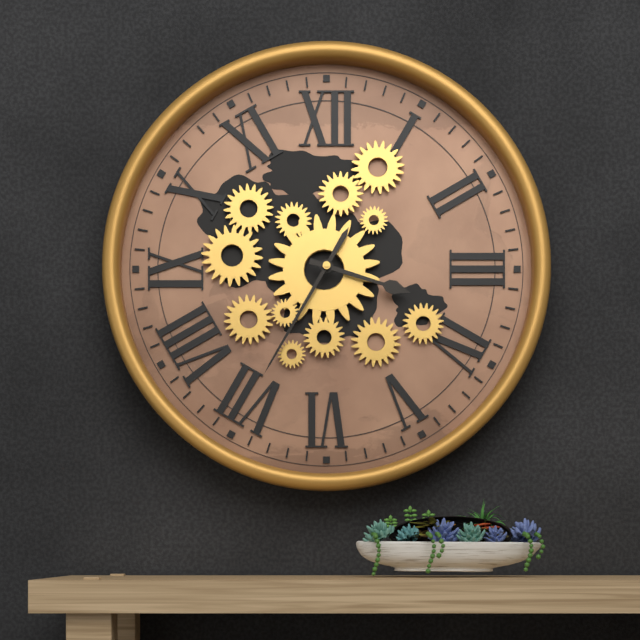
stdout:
3h35
